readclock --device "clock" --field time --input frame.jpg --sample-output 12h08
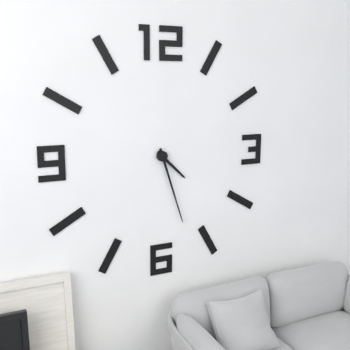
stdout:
4h27
